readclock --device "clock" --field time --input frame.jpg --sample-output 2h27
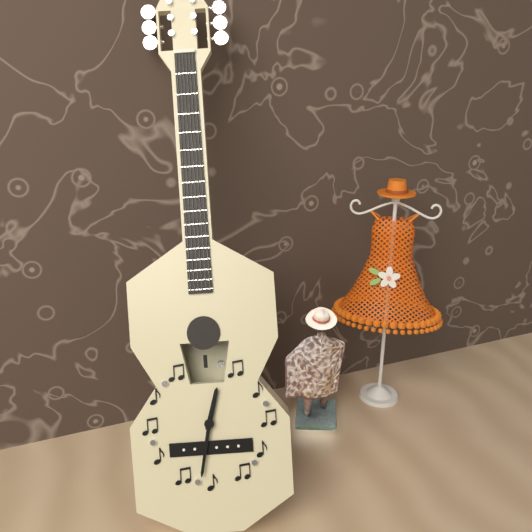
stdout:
12h32
